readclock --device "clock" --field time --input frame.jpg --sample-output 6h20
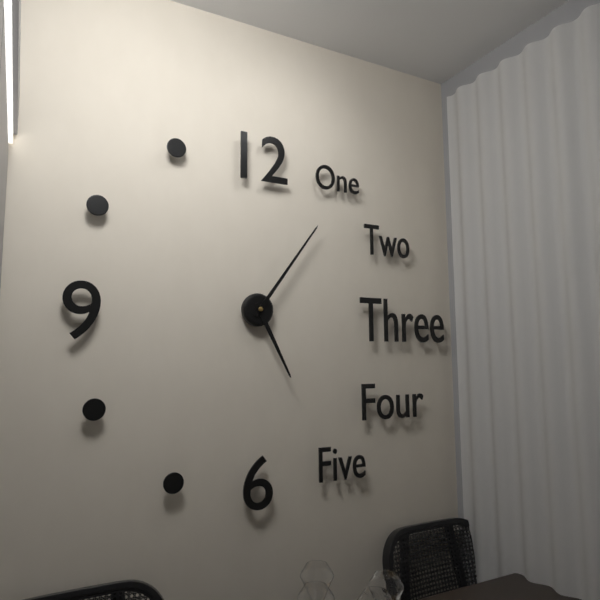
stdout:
5h06
